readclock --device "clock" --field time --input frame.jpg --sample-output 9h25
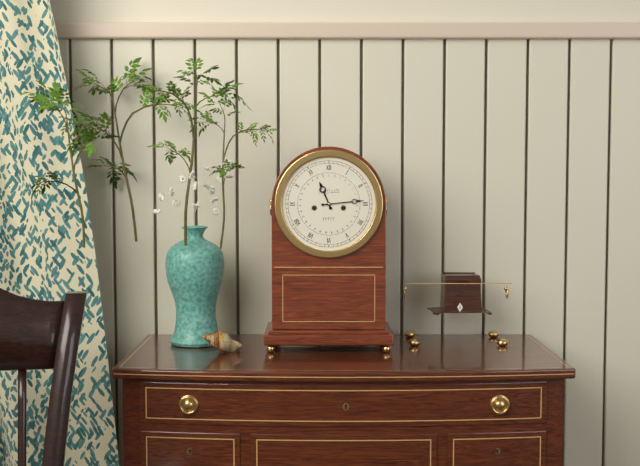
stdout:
11h14
